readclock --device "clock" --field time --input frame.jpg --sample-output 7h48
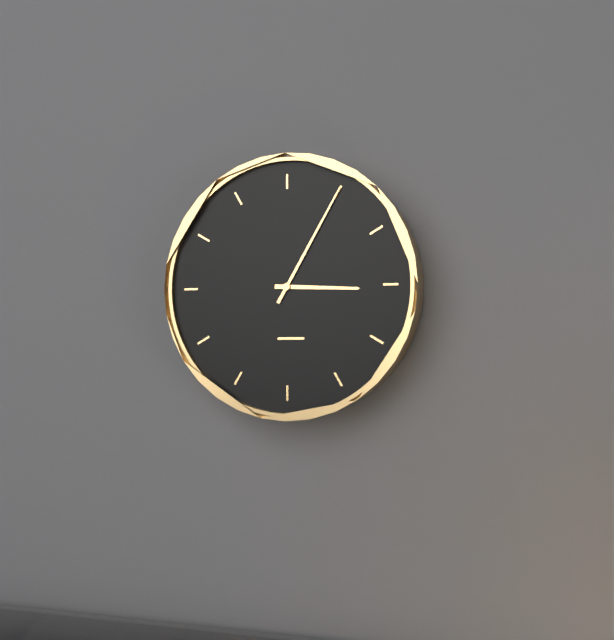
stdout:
3h05
